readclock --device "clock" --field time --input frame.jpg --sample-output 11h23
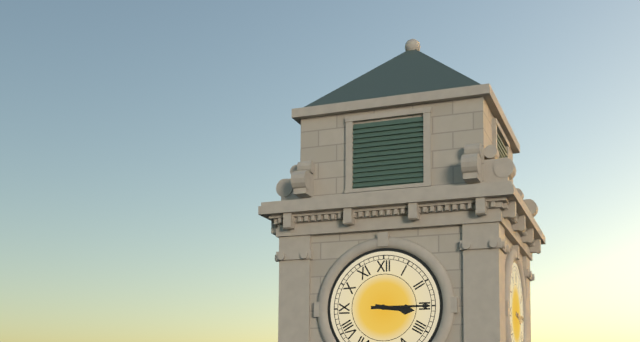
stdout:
3h15
